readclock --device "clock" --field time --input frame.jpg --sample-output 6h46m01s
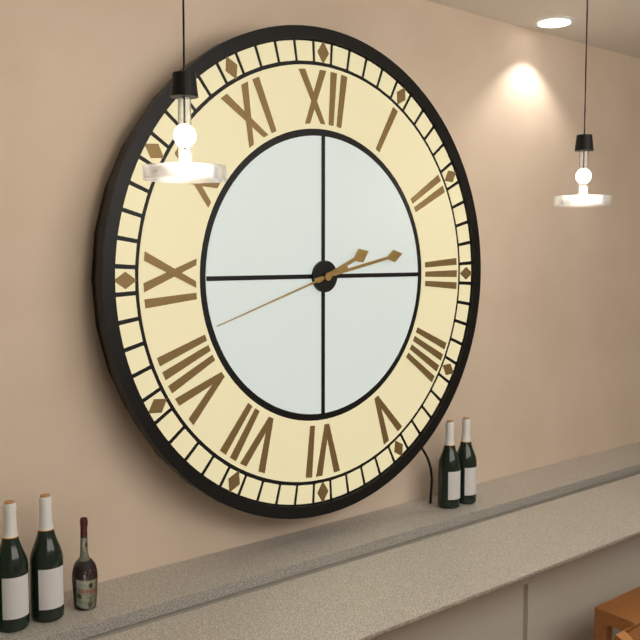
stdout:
2h13m42s
